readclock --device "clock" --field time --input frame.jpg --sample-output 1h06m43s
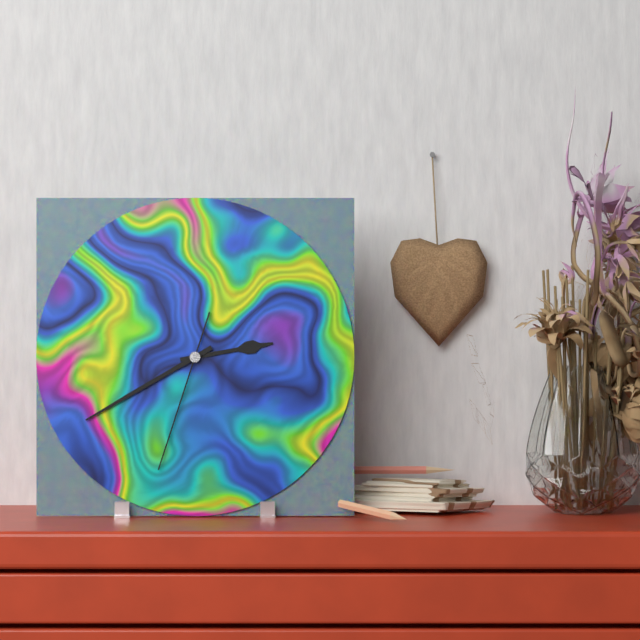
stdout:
2h40m33s
